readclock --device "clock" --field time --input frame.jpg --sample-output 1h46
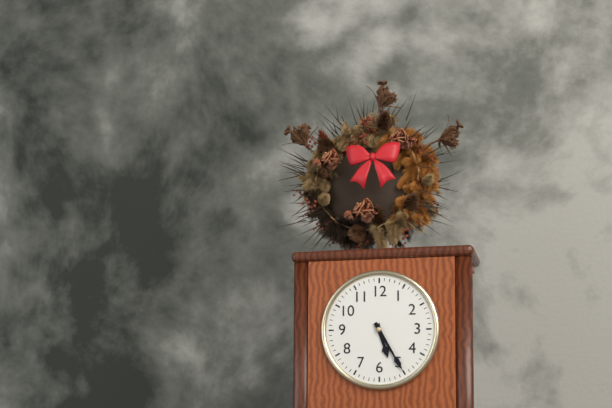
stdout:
5h25
